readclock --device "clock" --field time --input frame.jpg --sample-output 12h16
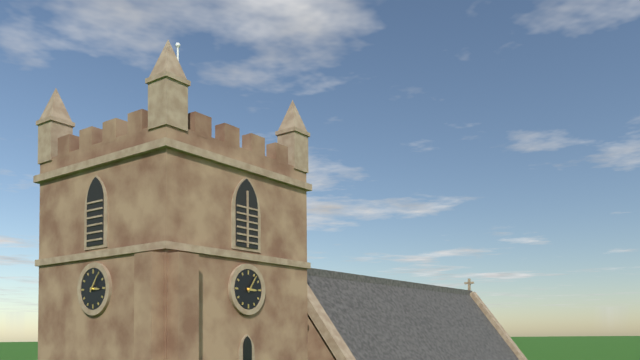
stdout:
3h06
